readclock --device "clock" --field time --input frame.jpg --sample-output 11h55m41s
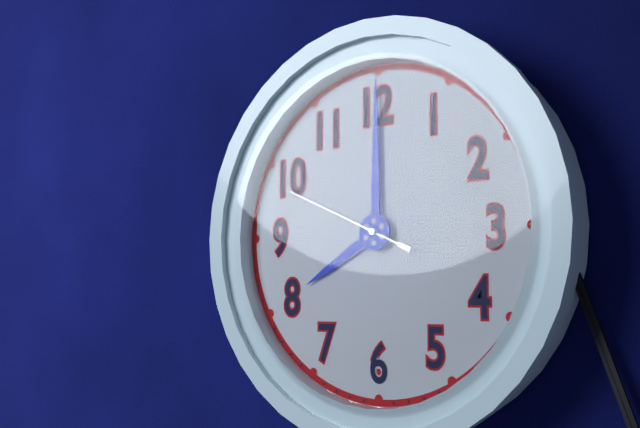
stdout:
8h00m49s
